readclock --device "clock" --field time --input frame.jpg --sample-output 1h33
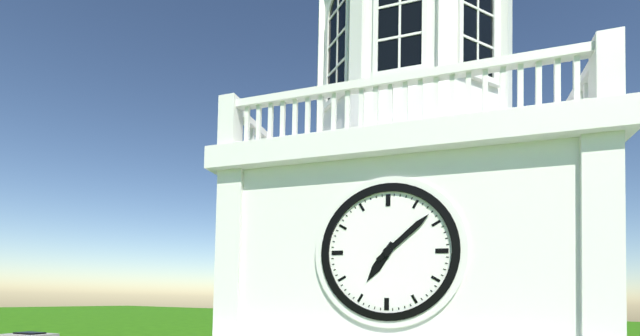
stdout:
7h08
